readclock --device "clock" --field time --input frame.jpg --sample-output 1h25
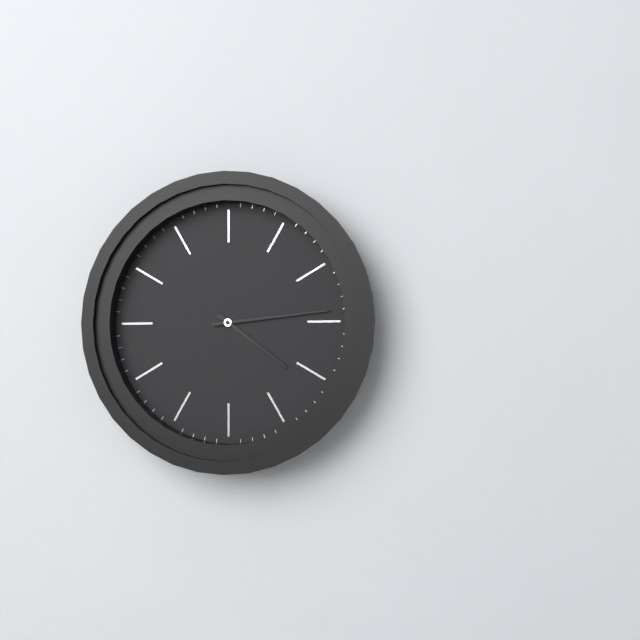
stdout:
4h14
